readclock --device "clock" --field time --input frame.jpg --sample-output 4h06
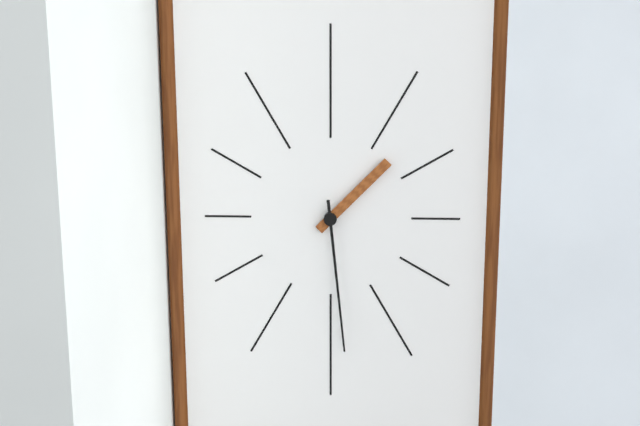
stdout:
1h29
